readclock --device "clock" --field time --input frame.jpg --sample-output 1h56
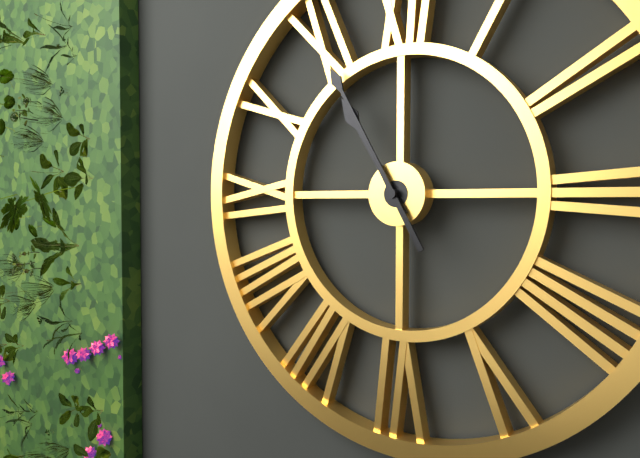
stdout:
10h55
